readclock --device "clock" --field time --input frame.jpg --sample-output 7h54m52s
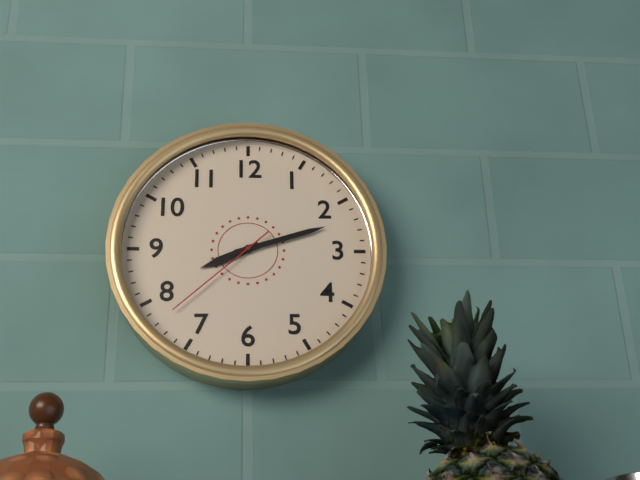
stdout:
8h12m38s
